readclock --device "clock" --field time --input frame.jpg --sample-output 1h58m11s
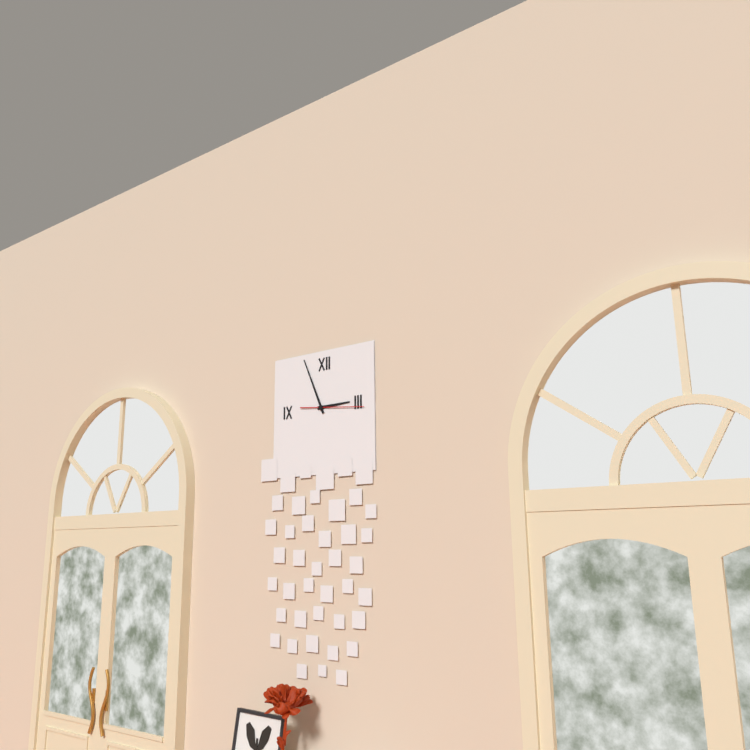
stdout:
2h56m16s
